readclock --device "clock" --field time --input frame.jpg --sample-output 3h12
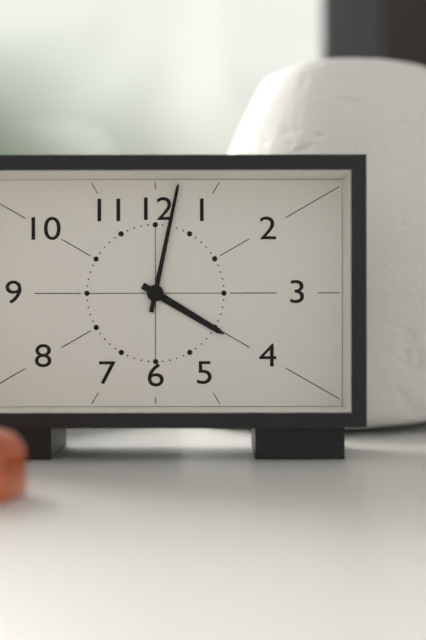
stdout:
4h02
